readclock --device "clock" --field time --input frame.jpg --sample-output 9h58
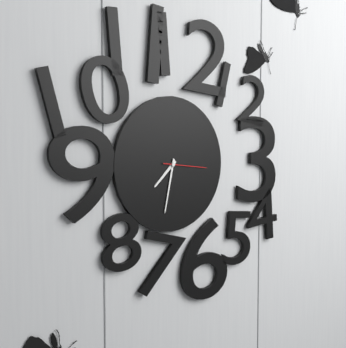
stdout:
7h32
